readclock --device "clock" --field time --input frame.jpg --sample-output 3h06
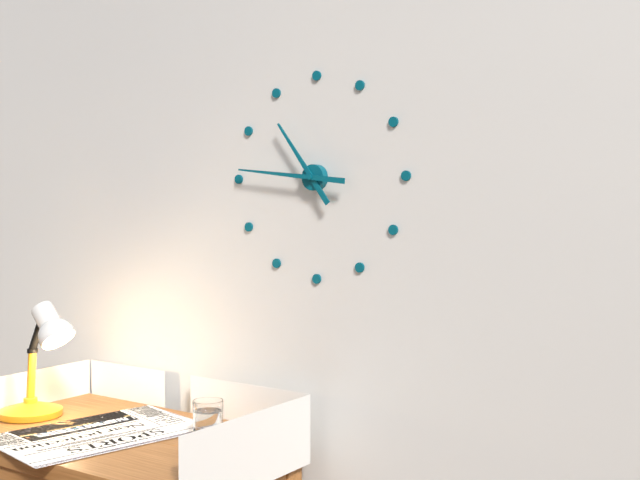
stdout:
10h46
